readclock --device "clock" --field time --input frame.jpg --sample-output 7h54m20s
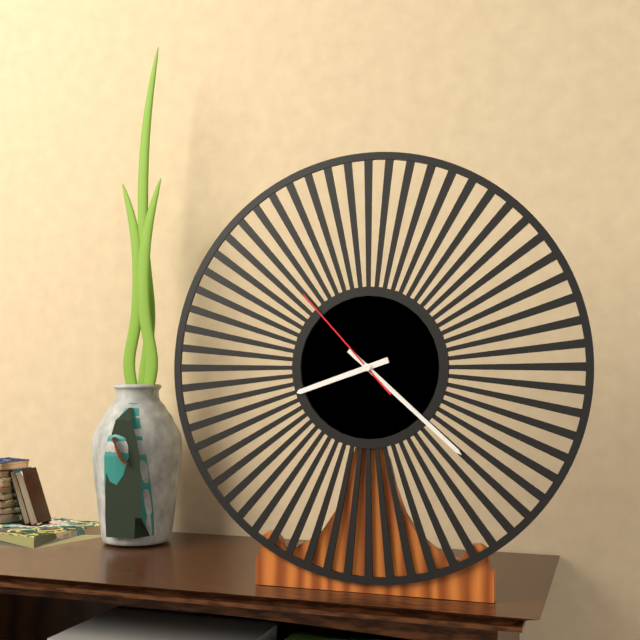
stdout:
8h22m53s
